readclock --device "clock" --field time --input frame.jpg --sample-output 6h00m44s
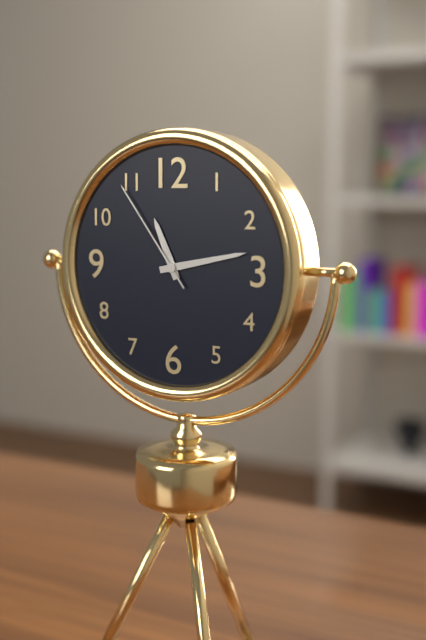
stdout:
11h13m54s
